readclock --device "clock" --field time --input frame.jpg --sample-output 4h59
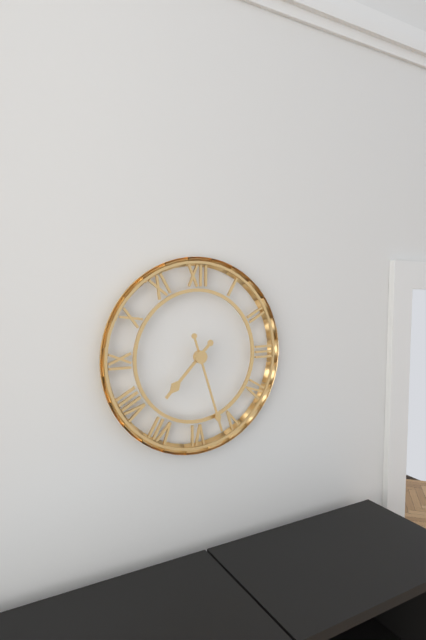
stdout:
7h27
